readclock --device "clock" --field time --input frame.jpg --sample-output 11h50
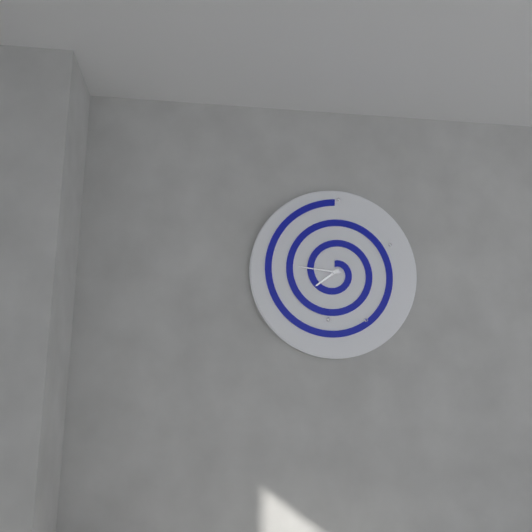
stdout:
7h46
